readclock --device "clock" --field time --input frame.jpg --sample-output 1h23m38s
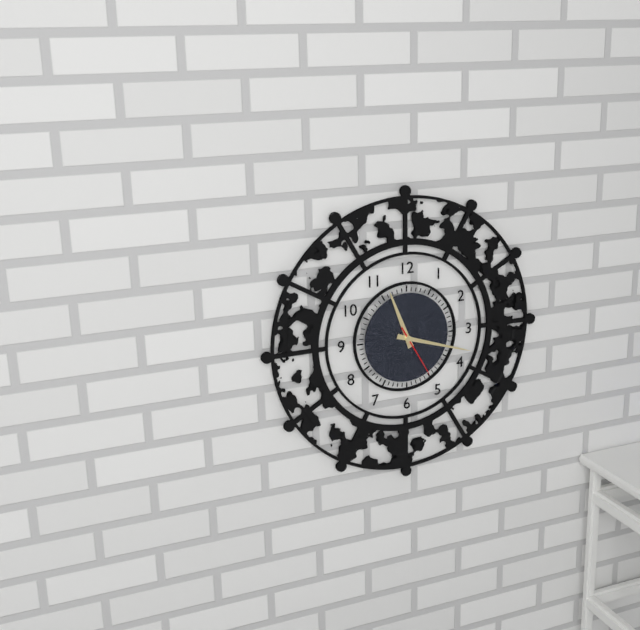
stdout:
11h18m25s
